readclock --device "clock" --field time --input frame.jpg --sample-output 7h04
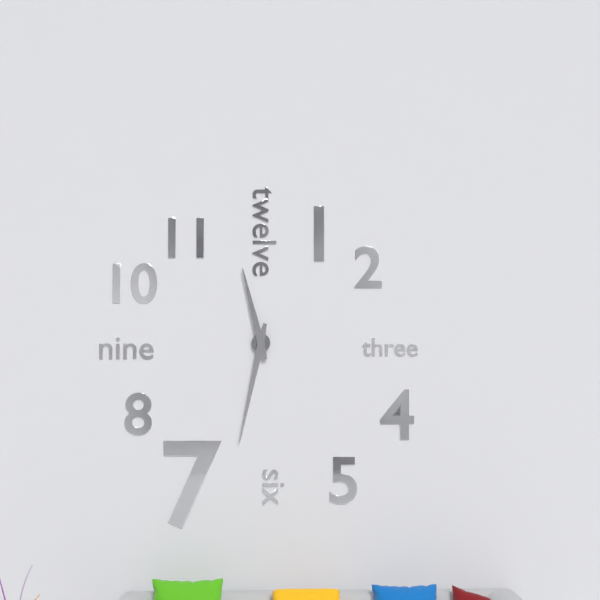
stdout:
11h32
